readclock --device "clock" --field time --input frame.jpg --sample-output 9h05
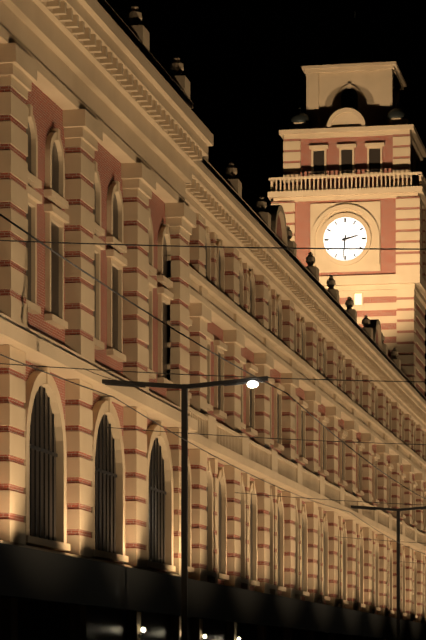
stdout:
2h31
